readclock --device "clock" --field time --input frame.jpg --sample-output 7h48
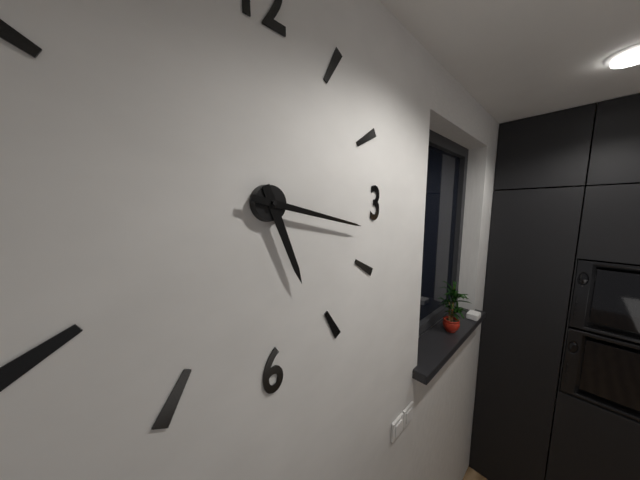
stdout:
5h17
